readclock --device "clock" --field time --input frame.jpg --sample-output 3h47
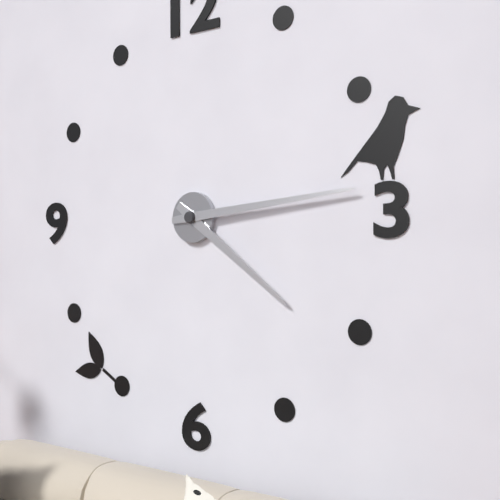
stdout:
4h14
